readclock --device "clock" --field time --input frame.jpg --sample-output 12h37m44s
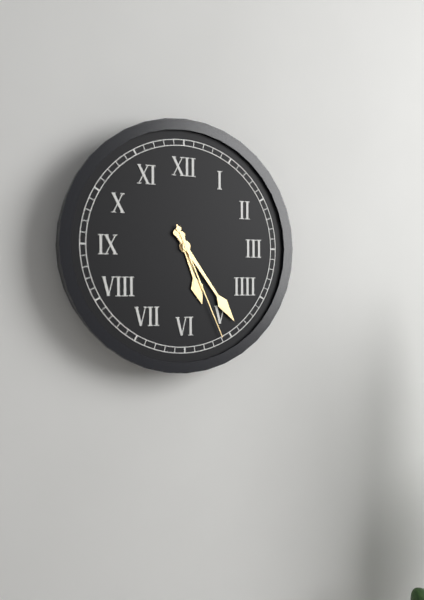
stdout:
5h24m26s
